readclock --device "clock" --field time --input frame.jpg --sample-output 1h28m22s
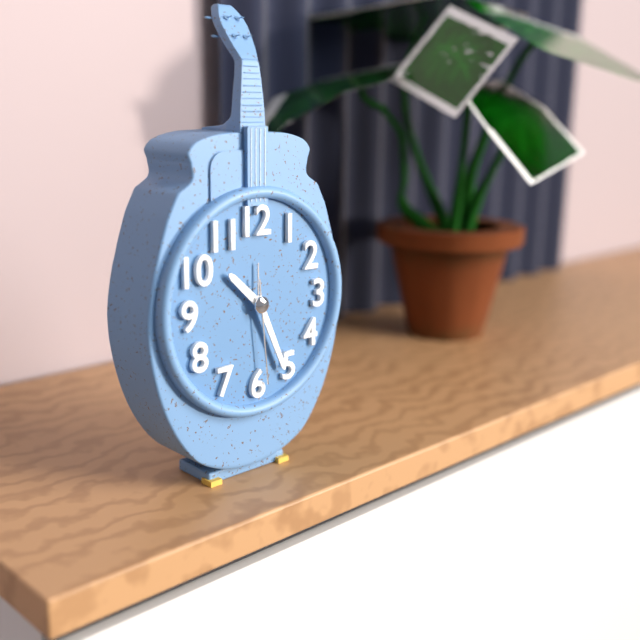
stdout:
10h26m29s
